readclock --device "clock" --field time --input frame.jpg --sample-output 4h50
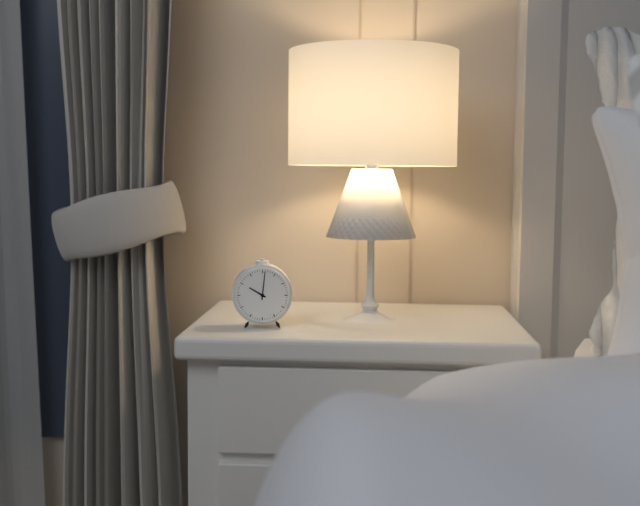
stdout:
10h01
